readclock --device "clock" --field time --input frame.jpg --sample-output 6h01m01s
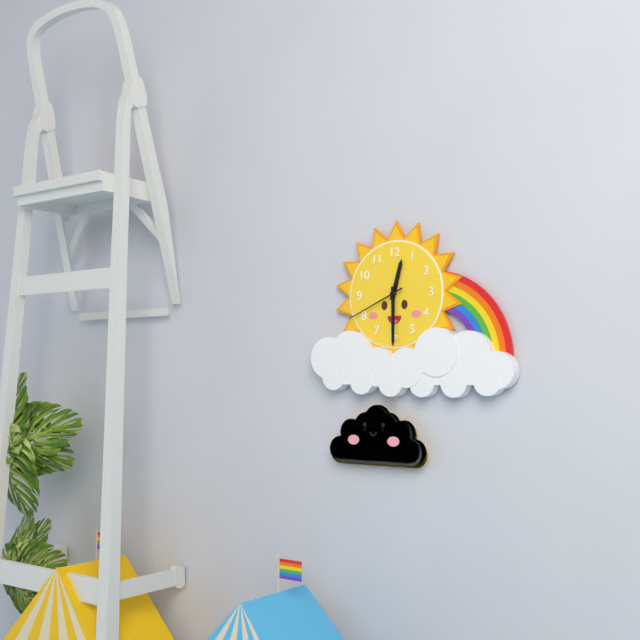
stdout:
12h30m41s
